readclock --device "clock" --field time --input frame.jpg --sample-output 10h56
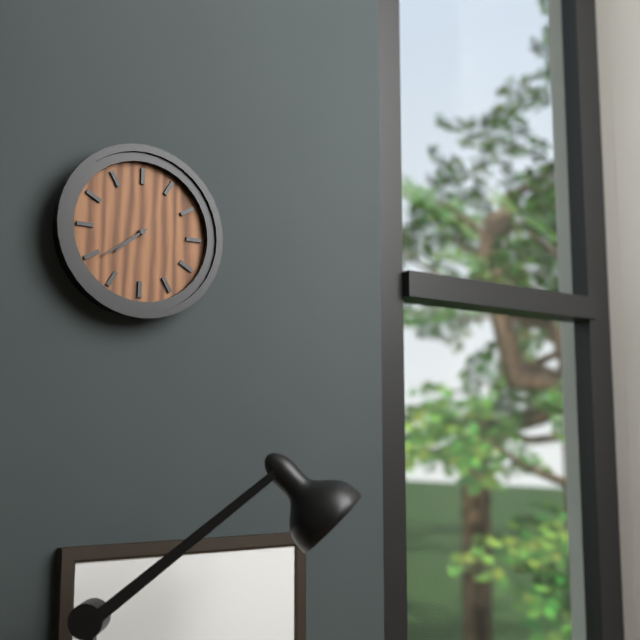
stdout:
7h39
